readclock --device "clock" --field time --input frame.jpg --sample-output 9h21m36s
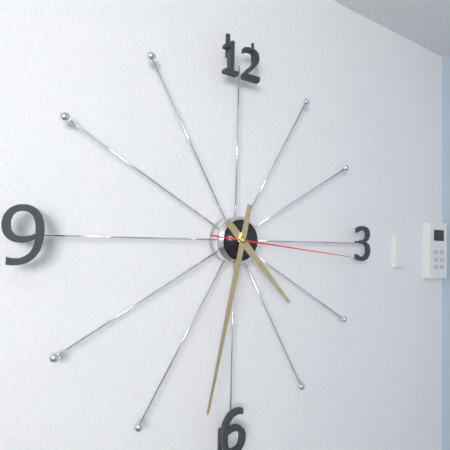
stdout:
4h32m16s
